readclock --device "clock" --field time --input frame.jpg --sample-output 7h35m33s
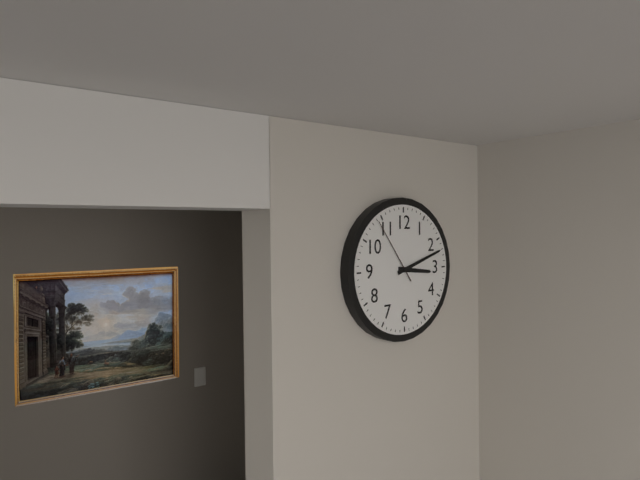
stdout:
3h12m54s
